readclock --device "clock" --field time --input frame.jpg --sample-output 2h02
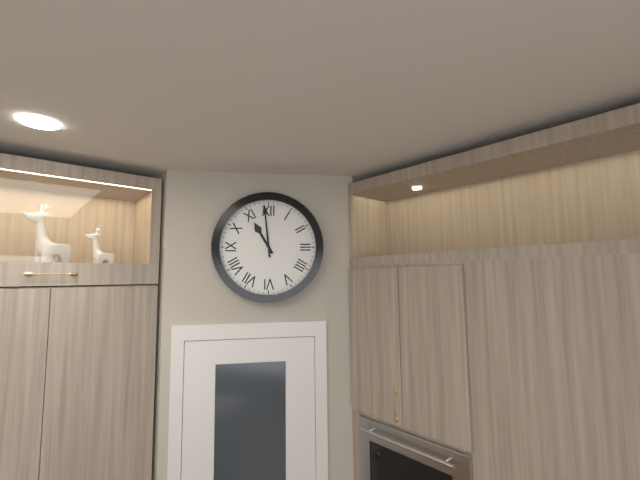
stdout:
10h59
